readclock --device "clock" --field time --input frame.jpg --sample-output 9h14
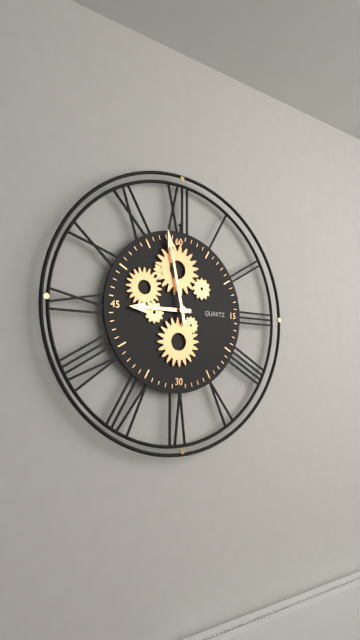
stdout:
8h58
